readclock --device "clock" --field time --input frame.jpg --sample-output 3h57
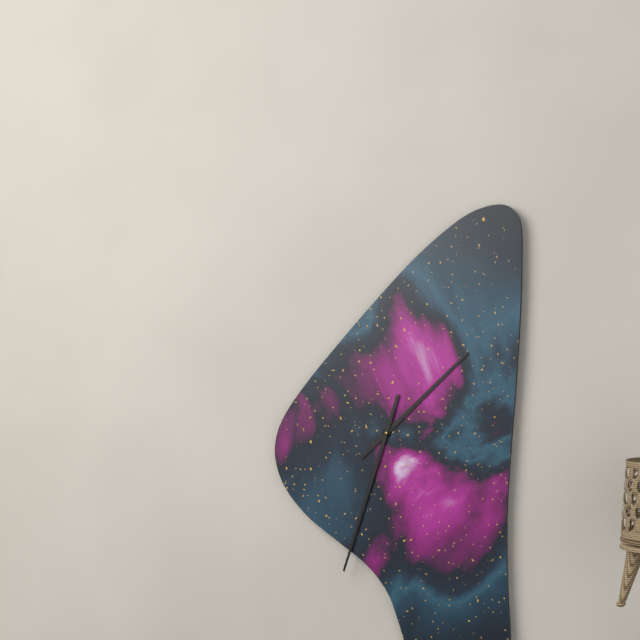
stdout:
1h33
